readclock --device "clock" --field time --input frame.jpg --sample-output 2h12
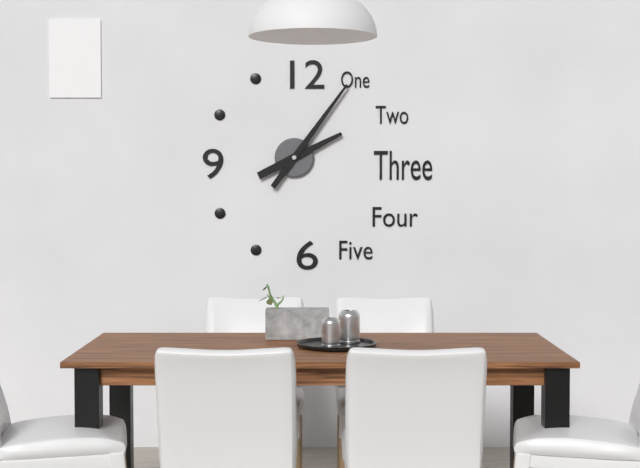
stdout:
2h06
